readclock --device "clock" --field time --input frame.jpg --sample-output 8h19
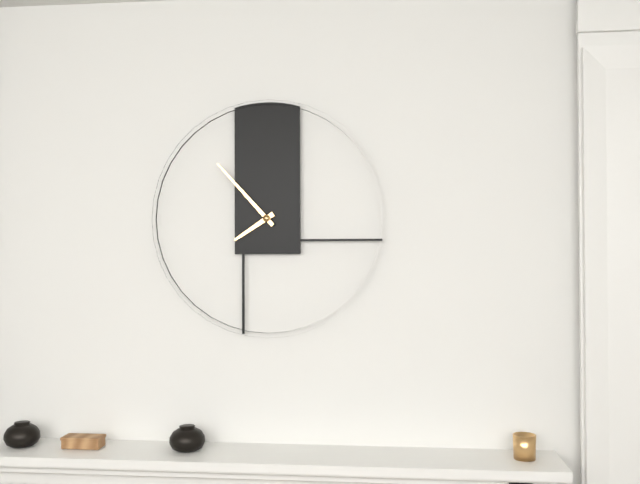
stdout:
7h53
